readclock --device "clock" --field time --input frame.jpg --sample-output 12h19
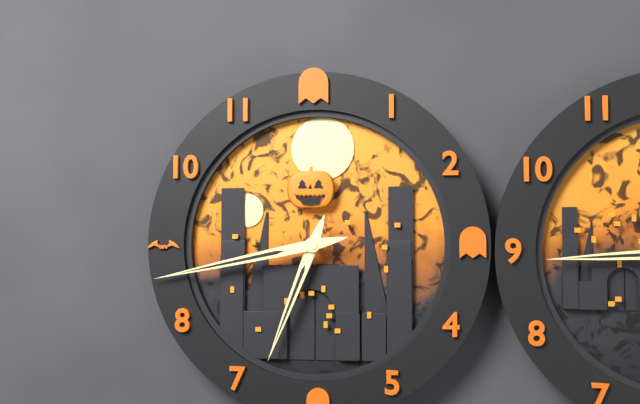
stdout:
6h43
